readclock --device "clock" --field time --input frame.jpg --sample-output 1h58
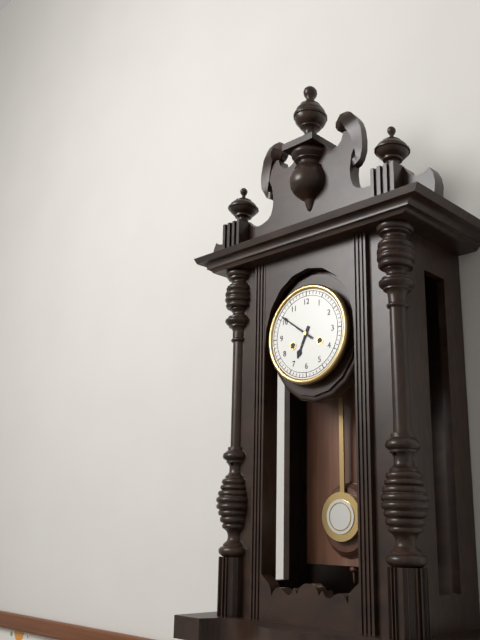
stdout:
6h51
